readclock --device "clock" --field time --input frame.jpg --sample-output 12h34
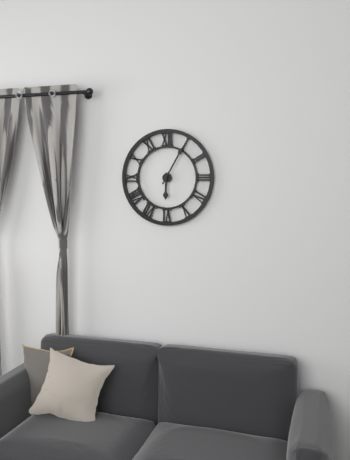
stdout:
6h05
